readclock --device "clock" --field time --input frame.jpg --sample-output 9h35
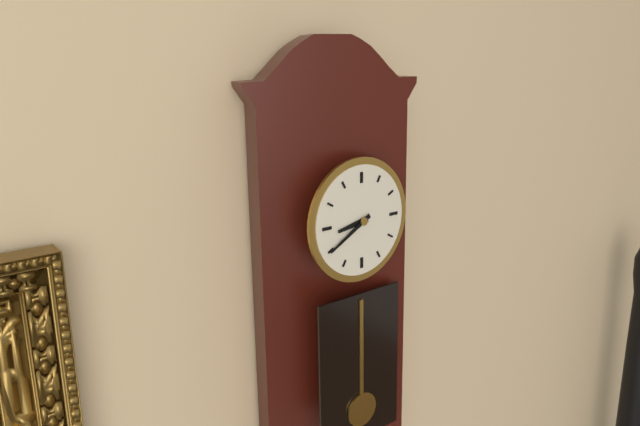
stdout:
8h40
